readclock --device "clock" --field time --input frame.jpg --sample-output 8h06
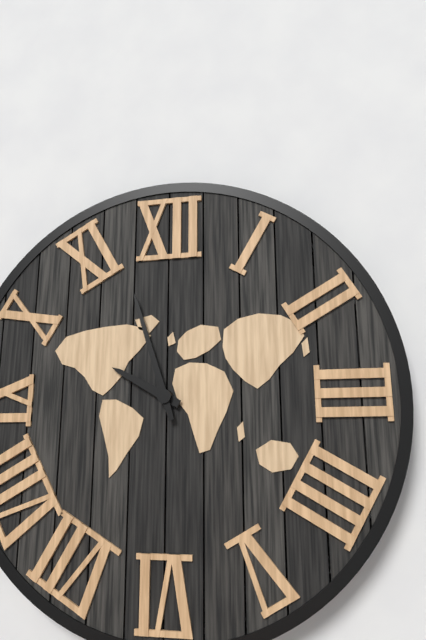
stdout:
9h57
